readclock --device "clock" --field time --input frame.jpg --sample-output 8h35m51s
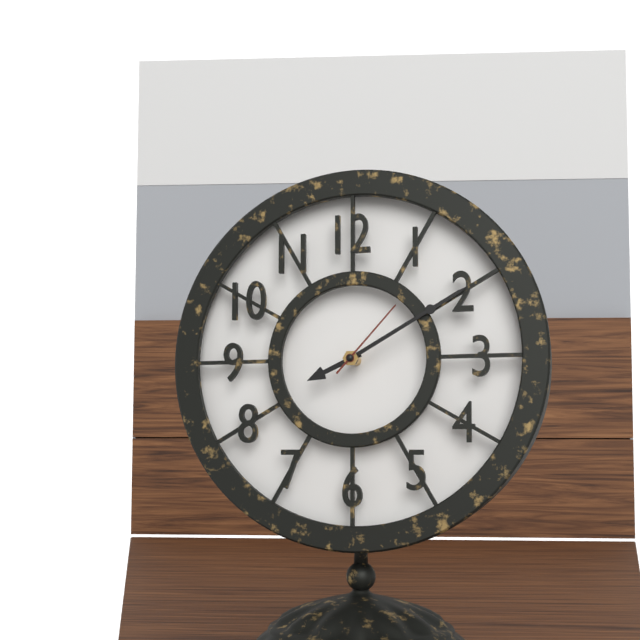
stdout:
8h10m07s
